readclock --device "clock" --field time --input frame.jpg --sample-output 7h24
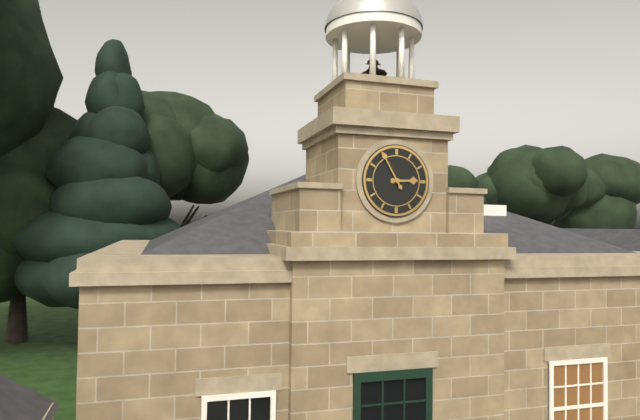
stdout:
2h55
